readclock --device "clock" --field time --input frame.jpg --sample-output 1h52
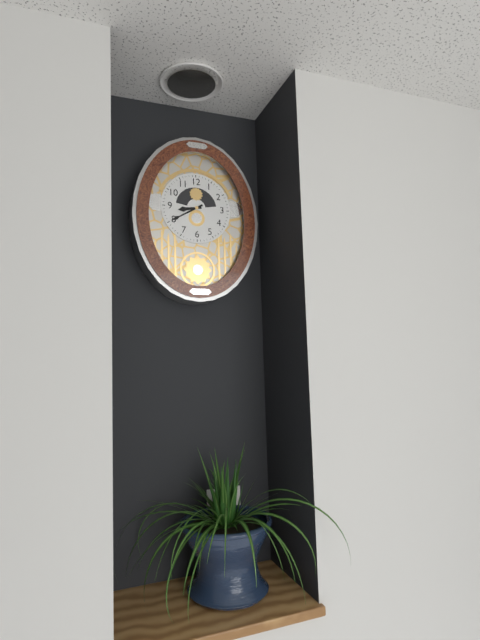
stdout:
8h40
